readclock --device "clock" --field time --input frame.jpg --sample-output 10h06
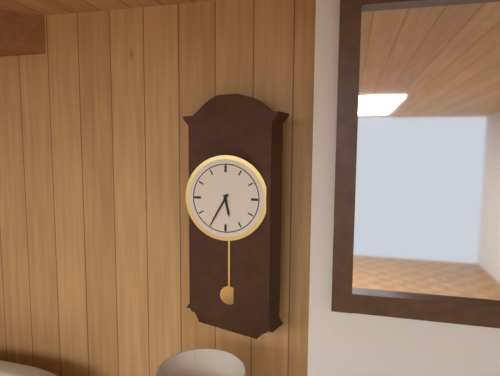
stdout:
5h35
